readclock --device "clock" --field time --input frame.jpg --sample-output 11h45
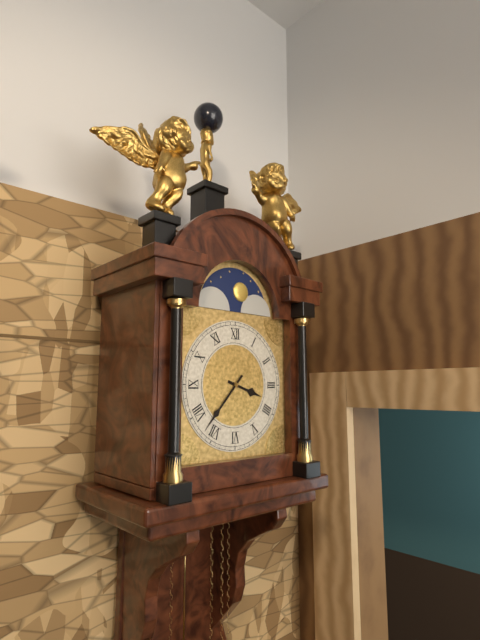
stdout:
3h37
